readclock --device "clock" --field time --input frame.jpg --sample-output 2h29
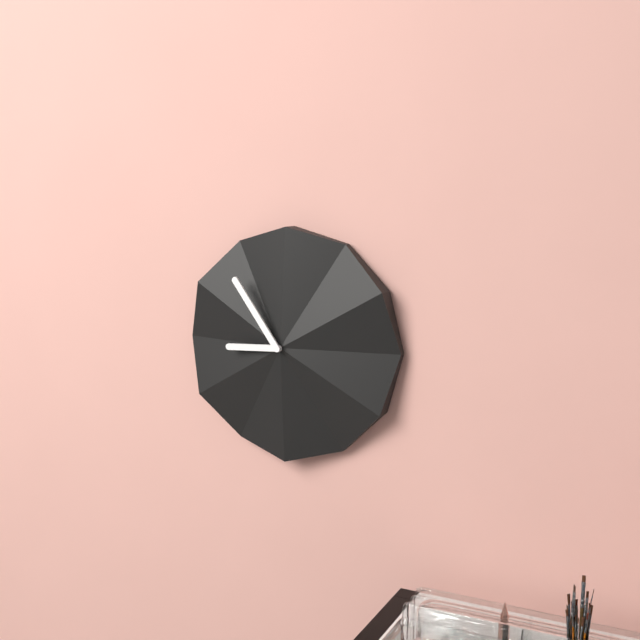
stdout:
8h54
